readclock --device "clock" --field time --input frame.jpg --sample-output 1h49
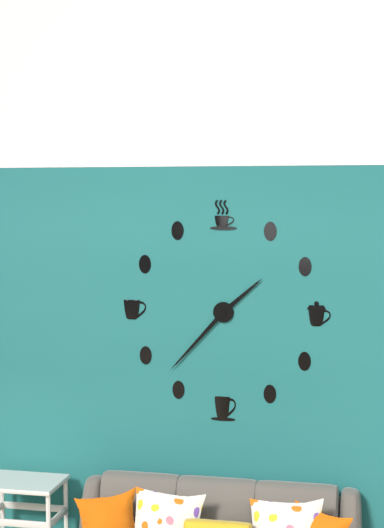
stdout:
1h37
